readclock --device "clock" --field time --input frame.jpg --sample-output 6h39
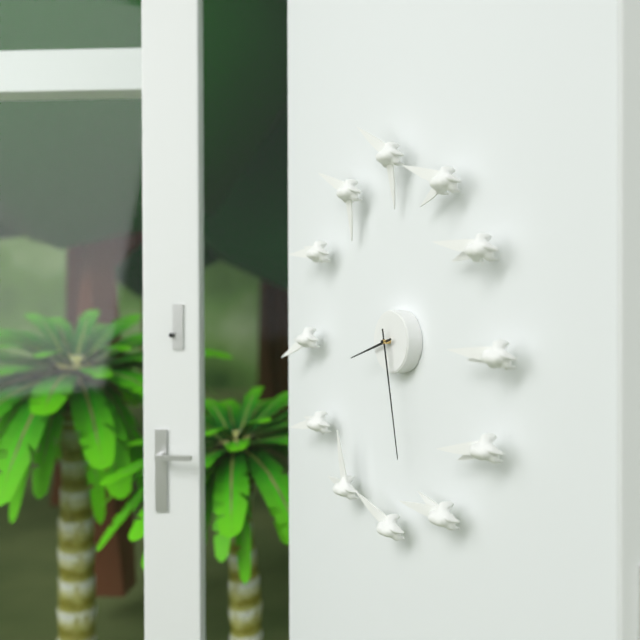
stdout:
8h28
